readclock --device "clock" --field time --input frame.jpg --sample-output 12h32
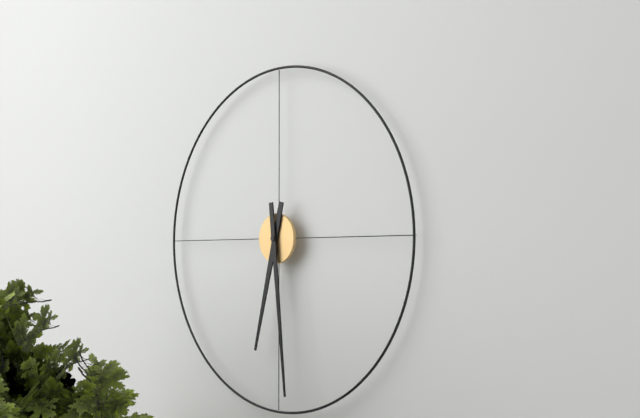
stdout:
6h29
